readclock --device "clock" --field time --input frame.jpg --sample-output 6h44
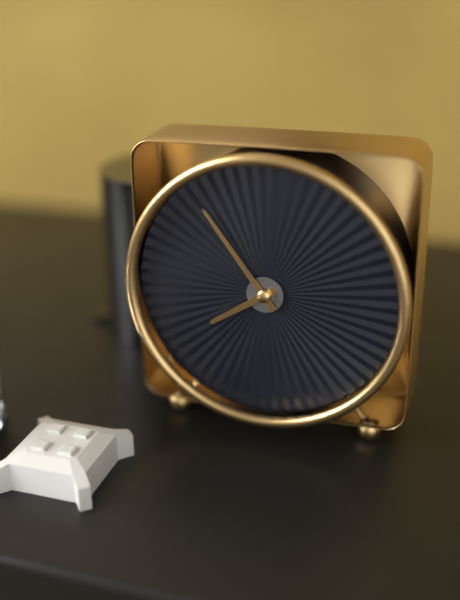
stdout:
7h54
